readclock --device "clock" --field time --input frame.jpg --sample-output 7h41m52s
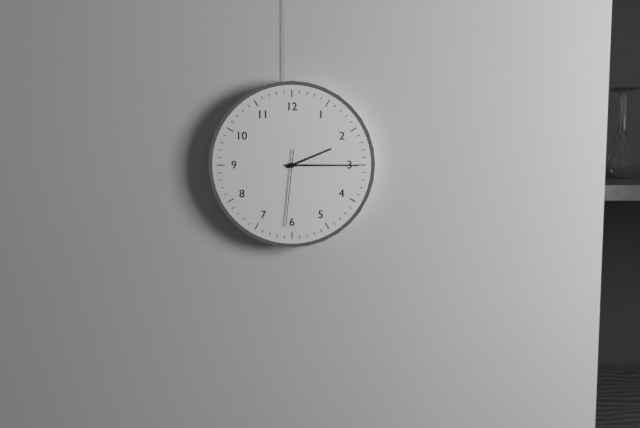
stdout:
2h15m31s
